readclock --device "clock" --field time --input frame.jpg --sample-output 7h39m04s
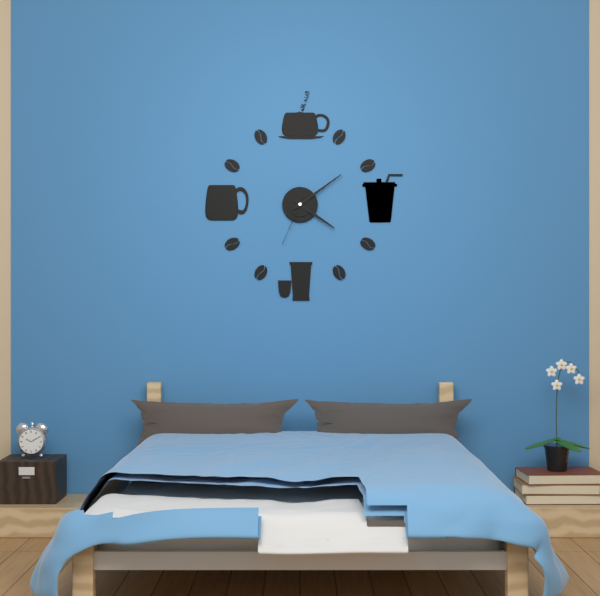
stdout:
4h09m34s
